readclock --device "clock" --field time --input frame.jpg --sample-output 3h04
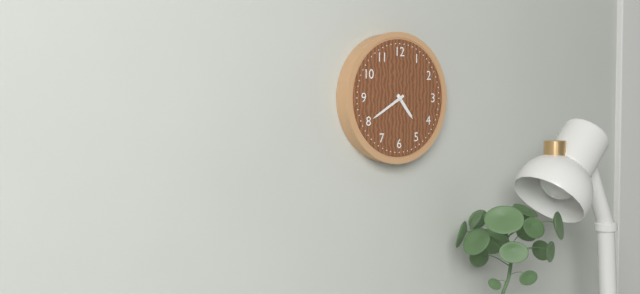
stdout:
4h40
